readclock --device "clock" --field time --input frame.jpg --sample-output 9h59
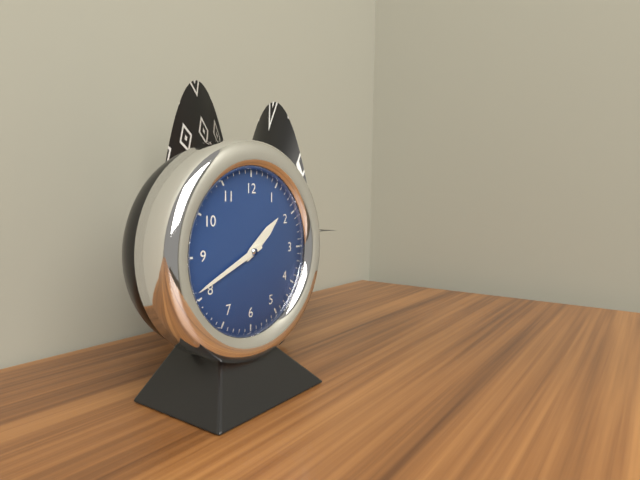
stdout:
1h41
